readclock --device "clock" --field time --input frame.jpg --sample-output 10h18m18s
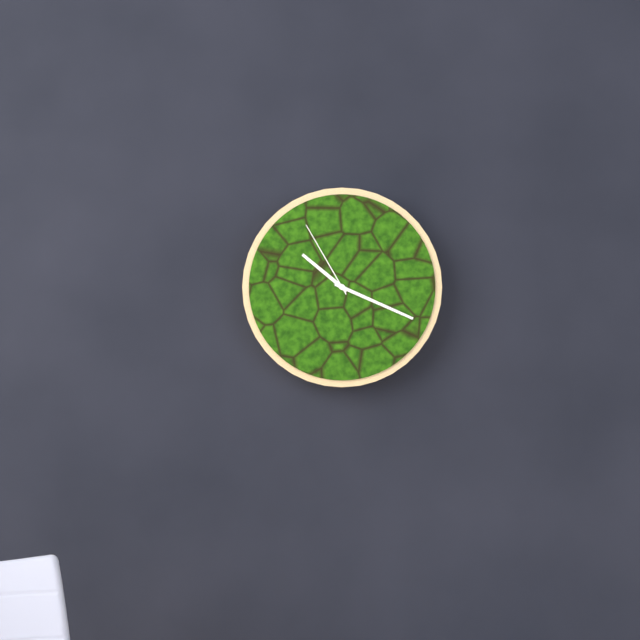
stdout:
10h19m55s
